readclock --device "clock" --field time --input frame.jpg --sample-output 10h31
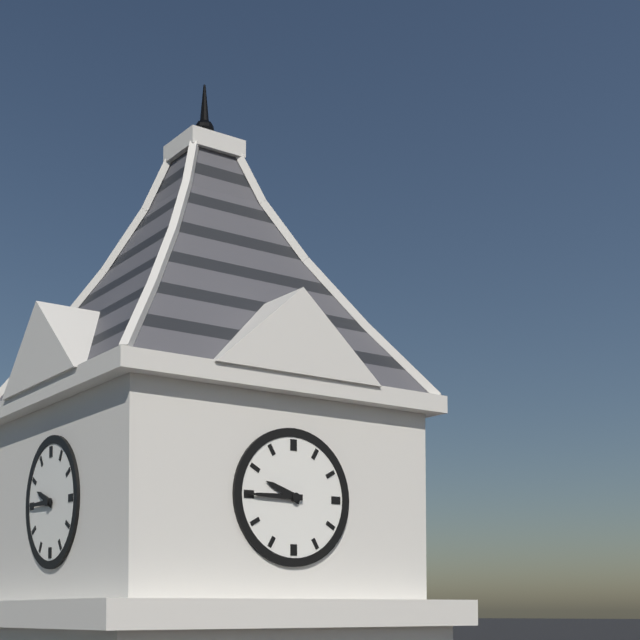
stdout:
9h45
